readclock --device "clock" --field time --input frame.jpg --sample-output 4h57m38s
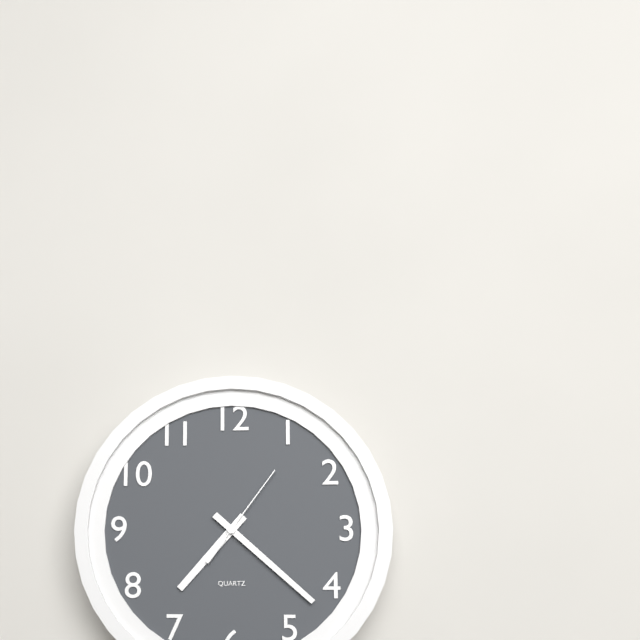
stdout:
7h22m06s
